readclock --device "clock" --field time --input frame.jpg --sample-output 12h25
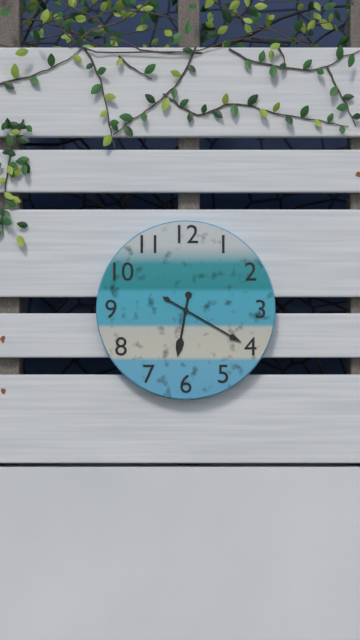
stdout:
6h20
